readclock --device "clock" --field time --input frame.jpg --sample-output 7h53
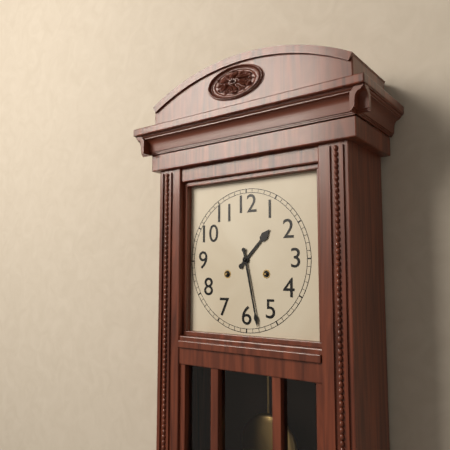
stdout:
1h28
